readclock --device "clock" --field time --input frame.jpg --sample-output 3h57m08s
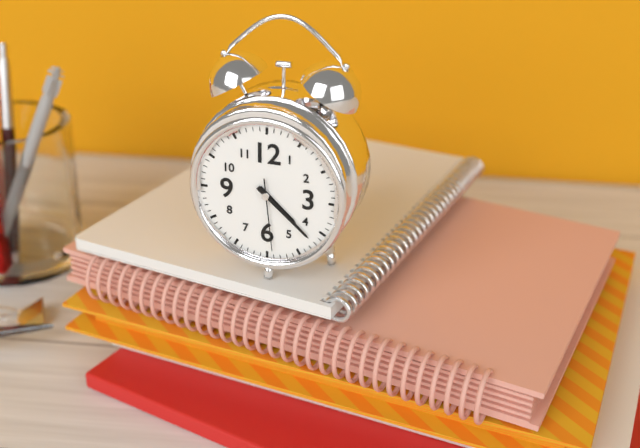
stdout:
4h22m29s
